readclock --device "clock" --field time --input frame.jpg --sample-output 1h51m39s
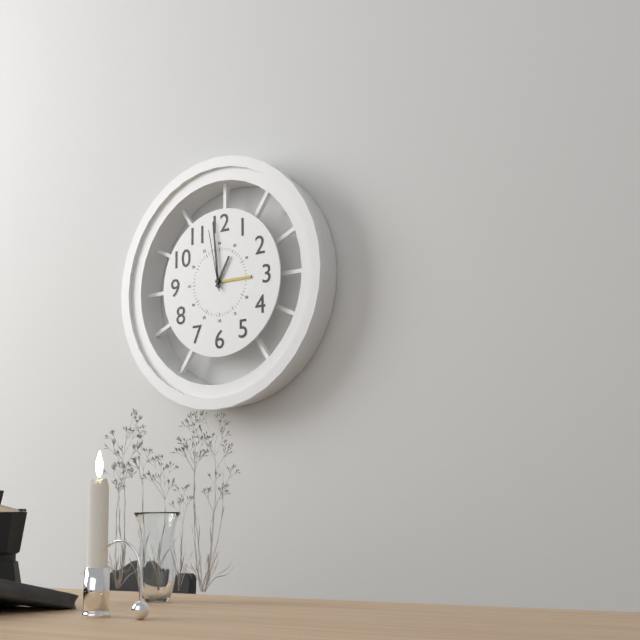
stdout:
12h59m58s
